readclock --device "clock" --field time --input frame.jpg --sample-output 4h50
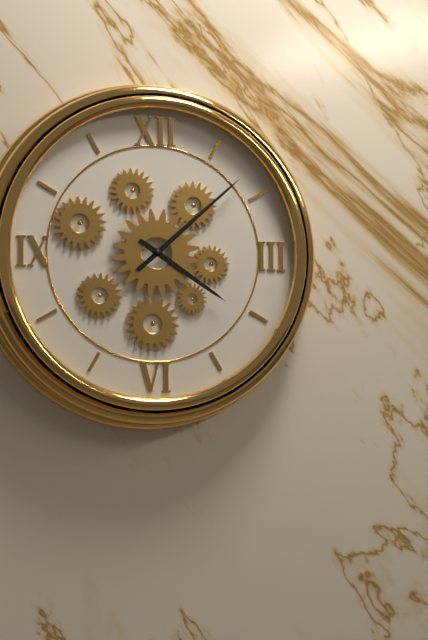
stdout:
4h08
